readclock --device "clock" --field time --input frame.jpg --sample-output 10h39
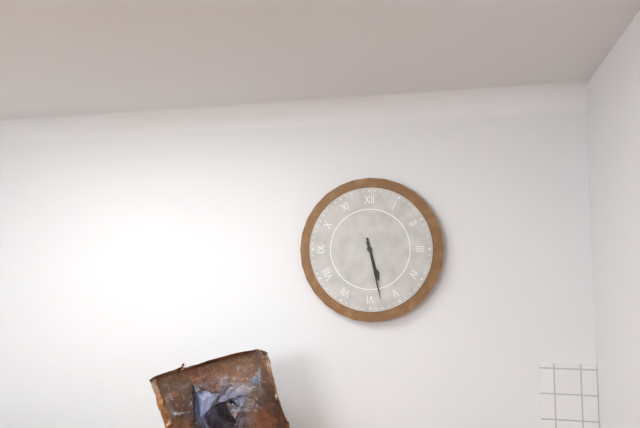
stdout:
5h28
